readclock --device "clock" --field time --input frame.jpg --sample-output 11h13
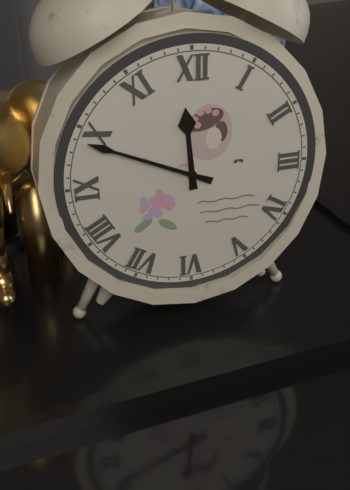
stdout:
11h49
